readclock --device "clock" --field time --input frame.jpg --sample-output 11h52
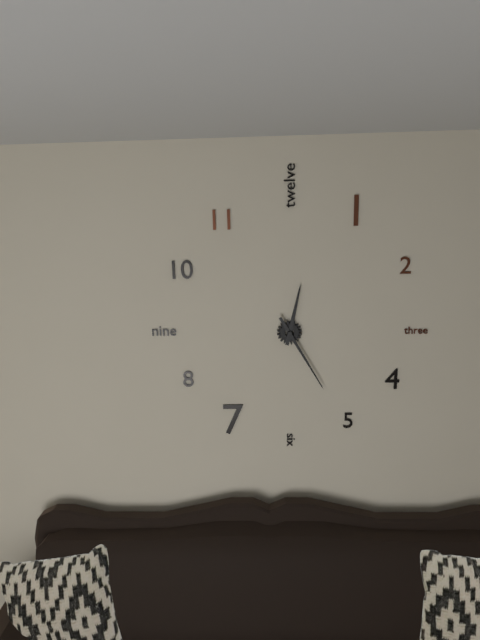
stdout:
12h25
